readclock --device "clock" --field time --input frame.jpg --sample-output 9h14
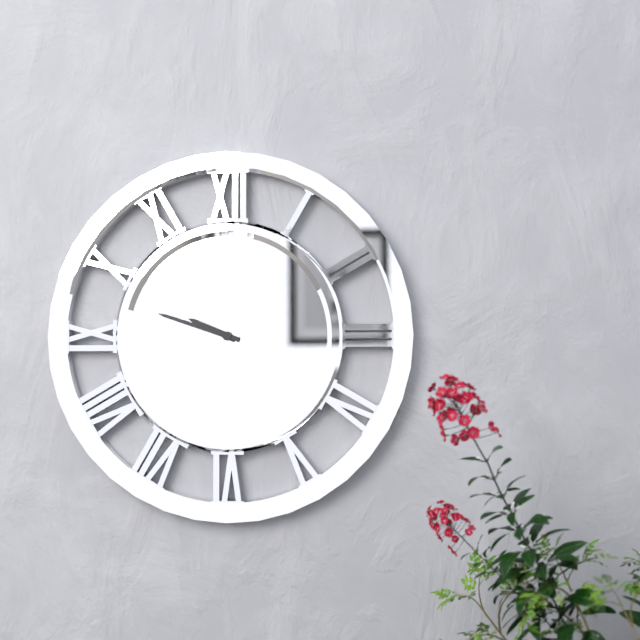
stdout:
9h48
